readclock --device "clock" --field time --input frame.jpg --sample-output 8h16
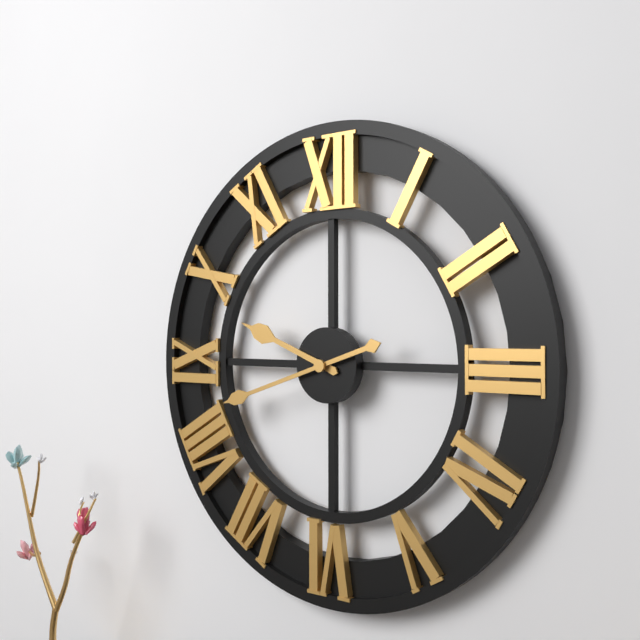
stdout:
9h42
